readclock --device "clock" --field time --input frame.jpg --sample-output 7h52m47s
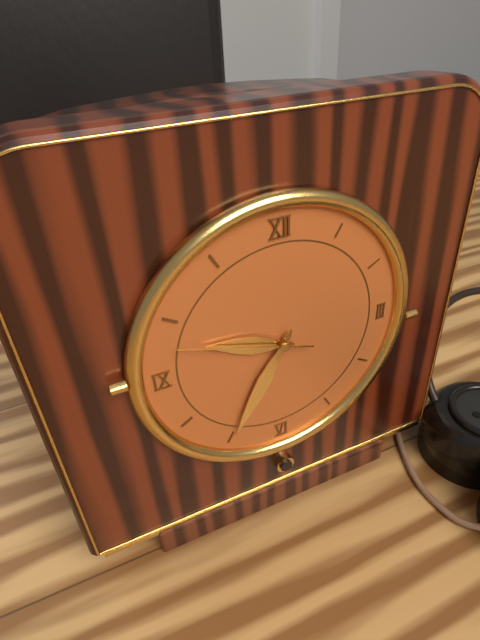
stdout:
9h35m48s
